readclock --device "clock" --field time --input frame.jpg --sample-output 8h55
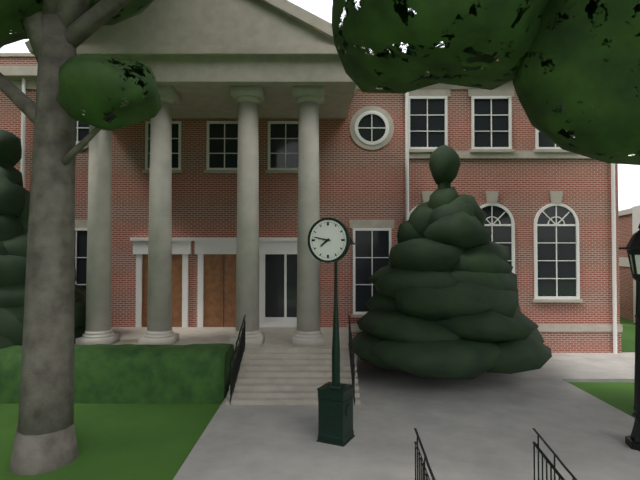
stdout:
7h47
